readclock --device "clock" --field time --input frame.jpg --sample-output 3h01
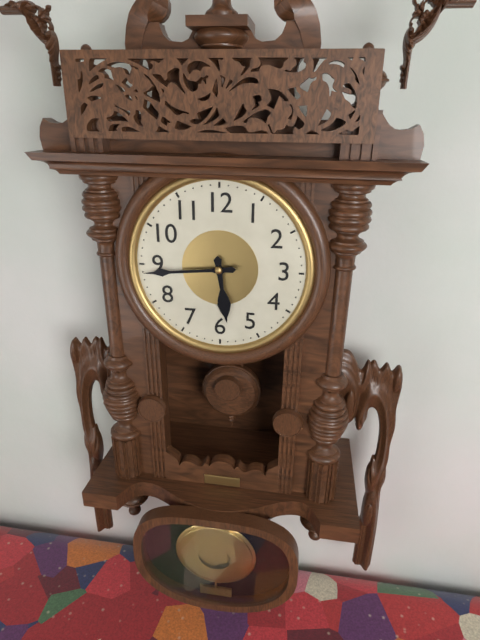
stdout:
5h44
